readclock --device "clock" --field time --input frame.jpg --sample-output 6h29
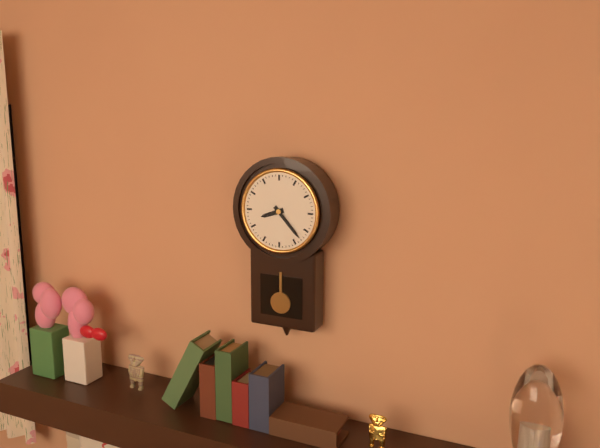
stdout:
8h23
